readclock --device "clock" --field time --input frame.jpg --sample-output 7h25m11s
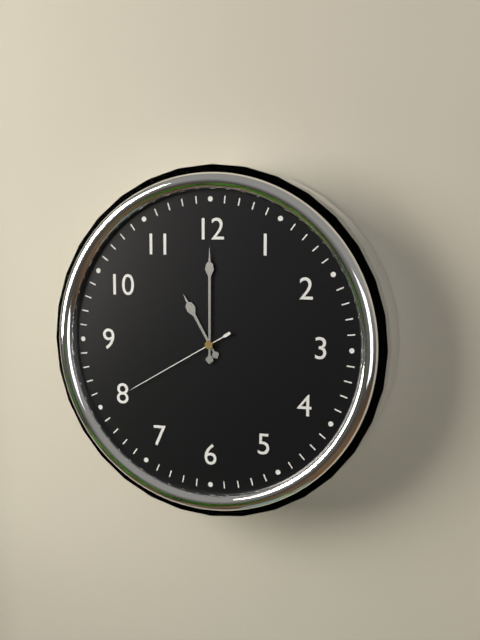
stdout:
11h00m40s
